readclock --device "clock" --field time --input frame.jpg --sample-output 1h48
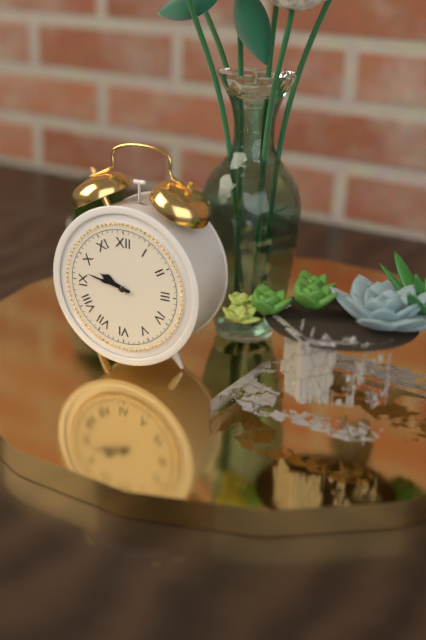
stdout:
9h47
